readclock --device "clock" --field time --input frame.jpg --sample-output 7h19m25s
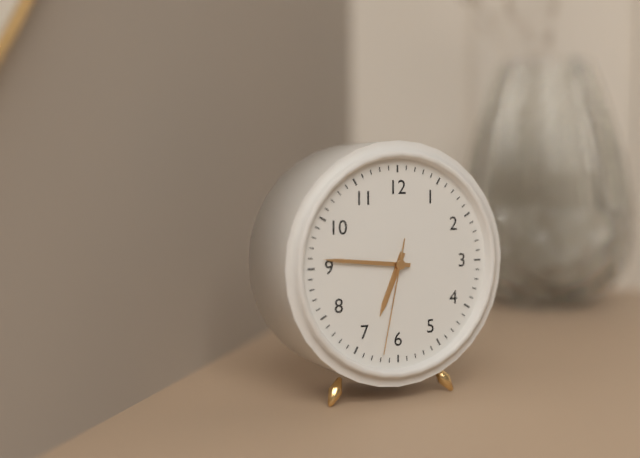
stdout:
6h46m32s
